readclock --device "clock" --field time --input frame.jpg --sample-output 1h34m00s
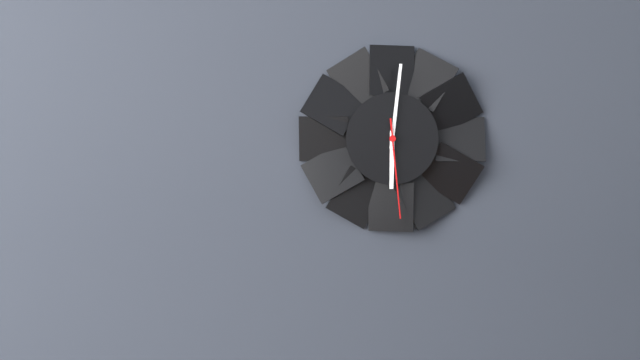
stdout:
6h01m29s
